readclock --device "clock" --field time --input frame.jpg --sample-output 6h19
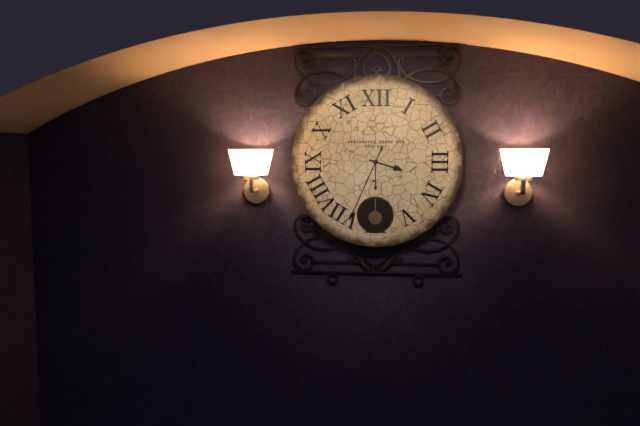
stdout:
3h34
